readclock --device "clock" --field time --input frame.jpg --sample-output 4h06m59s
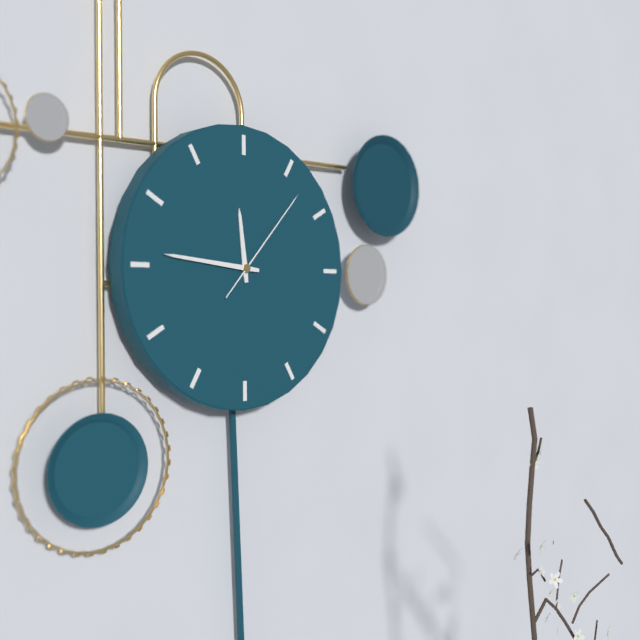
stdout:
11h46m07s
